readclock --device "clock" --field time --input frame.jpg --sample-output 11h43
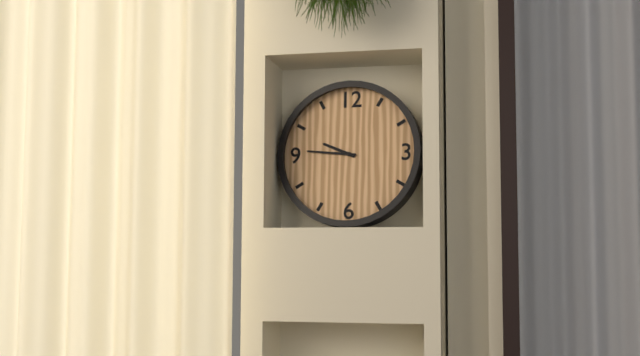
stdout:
9h46
